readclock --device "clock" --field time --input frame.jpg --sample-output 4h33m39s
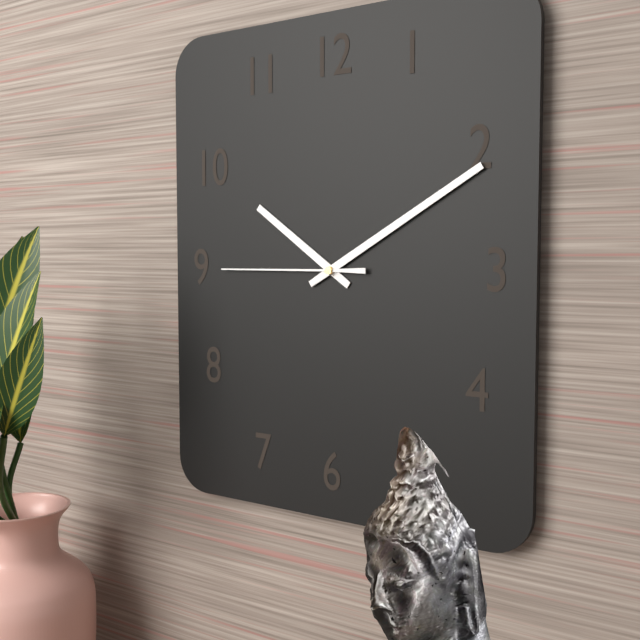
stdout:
10h10m45s
